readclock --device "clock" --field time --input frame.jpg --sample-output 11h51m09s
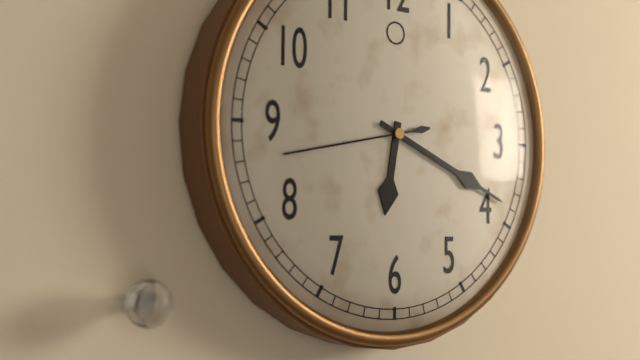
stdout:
6h19m43s
